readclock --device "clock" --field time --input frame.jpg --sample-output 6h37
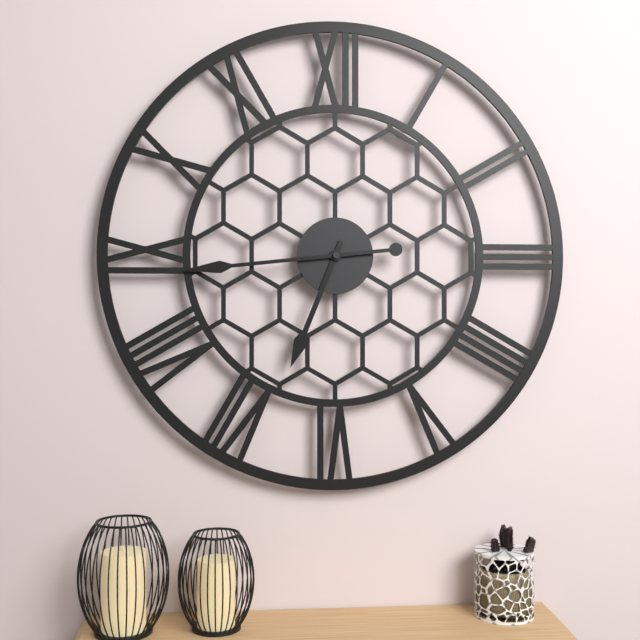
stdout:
6h44
